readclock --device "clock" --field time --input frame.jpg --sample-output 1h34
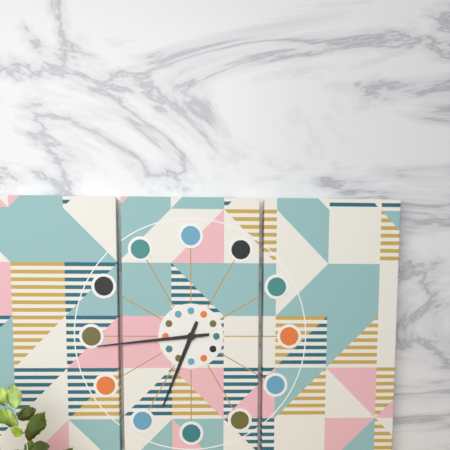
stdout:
6h44
